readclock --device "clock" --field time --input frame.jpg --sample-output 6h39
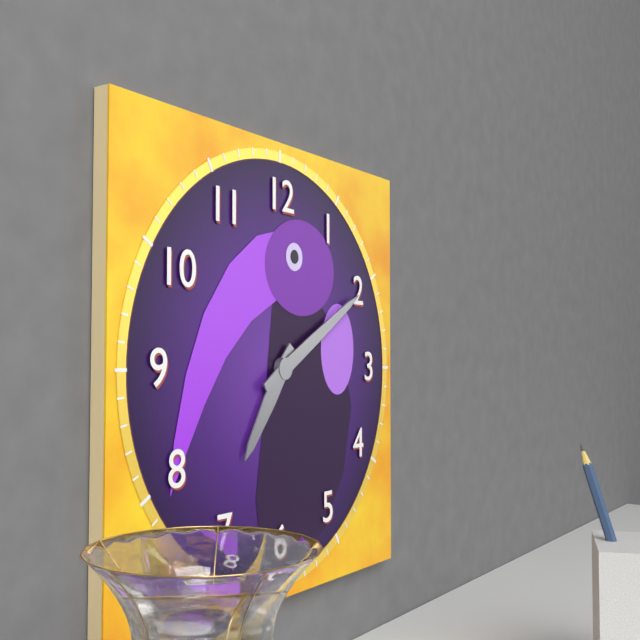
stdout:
7h10
